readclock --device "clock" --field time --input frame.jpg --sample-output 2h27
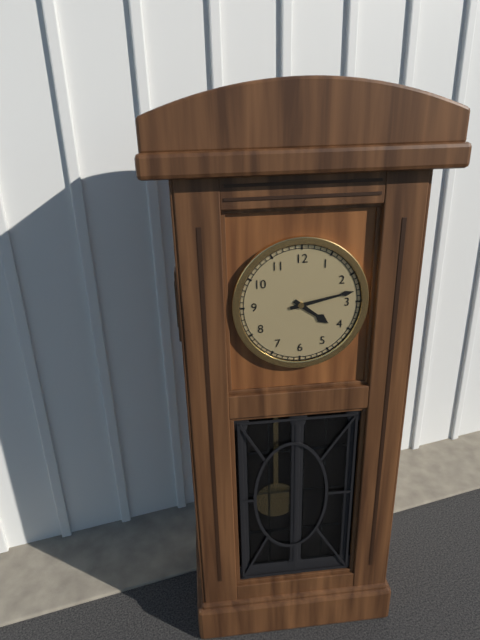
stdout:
4h13
